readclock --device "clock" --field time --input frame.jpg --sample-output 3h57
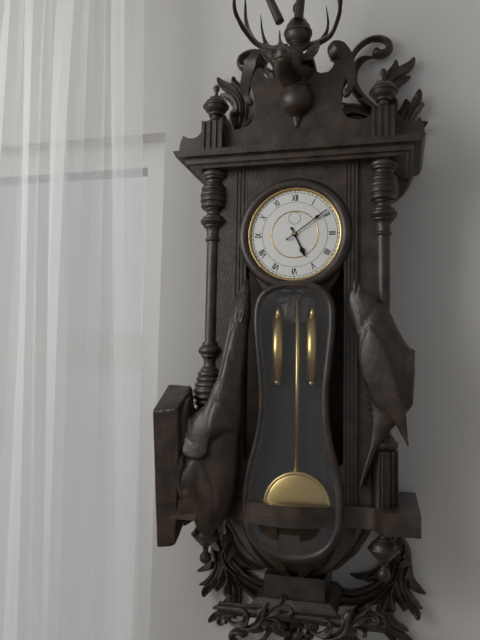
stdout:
5h09
